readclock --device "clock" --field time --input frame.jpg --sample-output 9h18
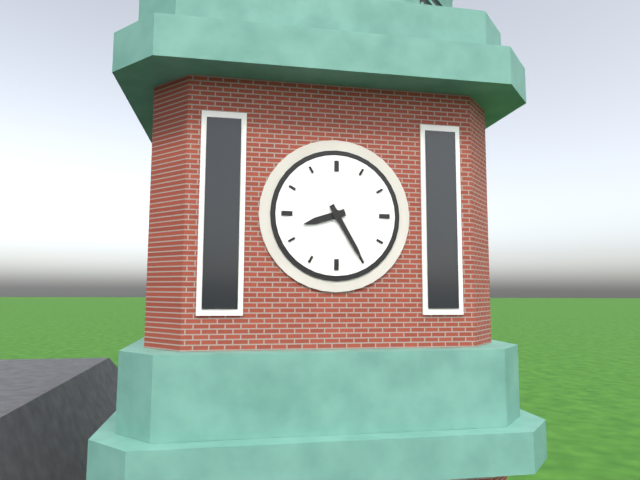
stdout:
8h25
